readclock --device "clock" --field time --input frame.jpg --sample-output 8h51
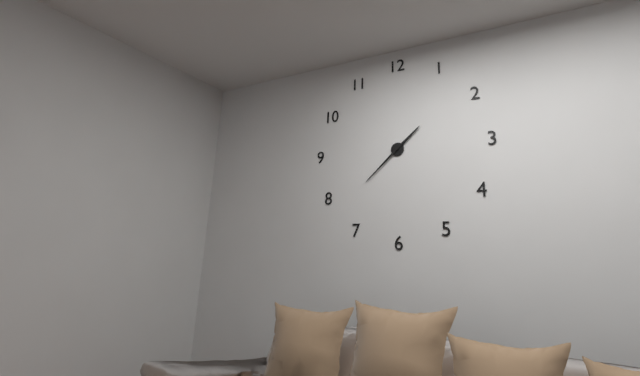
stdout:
1h38
